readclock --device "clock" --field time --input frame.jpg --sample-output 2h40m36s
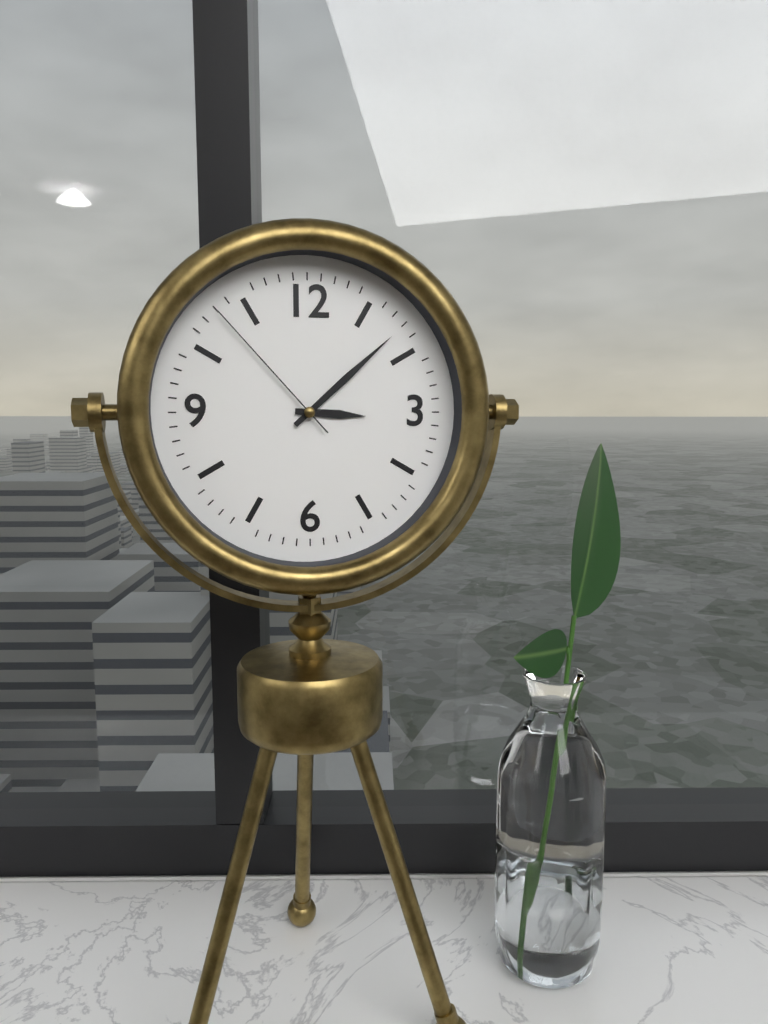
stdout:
3h08m53s
